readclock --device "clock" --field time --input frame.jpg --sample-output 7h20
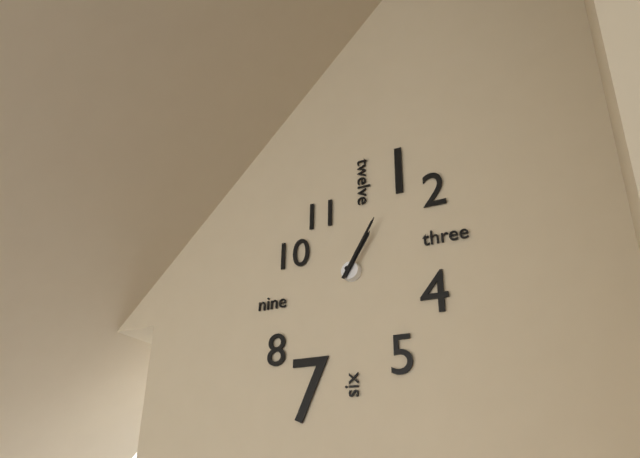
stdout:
1h05
